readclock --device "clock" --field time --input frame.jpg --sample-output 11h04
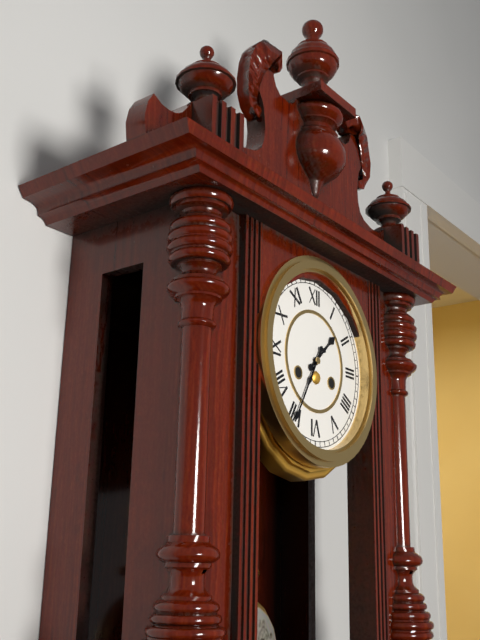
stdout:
1h35
